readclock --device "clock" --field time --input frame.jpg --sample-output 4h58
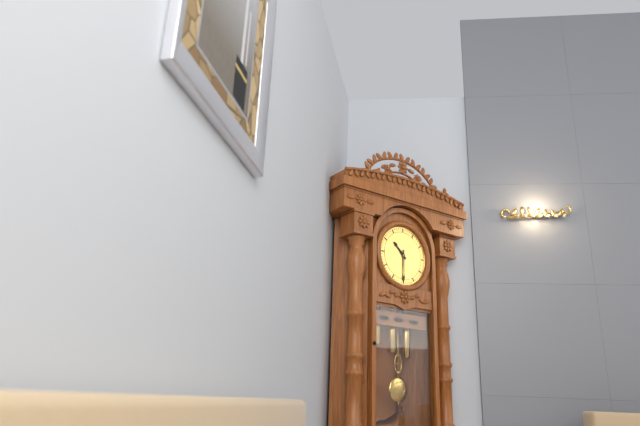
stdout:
10h30
